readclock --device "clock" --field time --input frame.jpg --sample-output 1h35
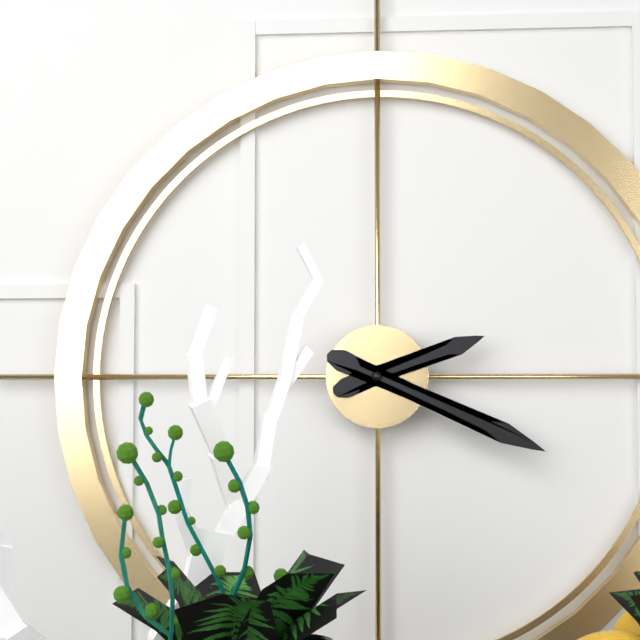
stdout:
2h19
